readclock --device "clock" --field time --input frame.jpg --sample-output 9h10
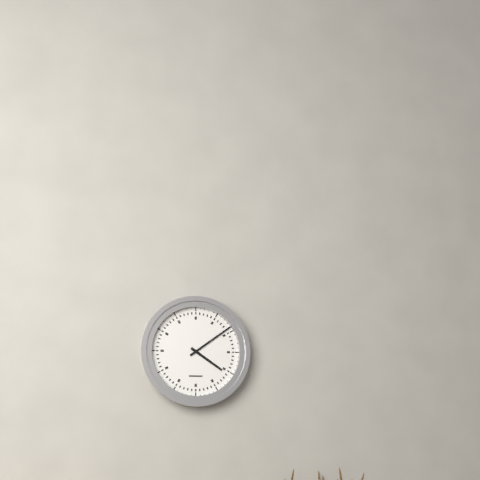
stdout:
4h09
